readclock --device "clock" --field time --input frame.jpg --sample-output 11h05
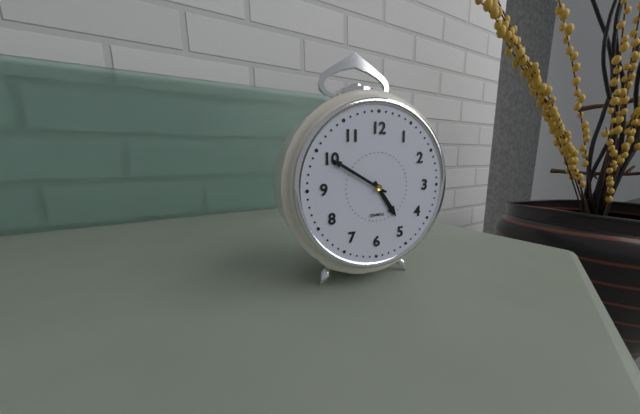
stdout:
4h50
